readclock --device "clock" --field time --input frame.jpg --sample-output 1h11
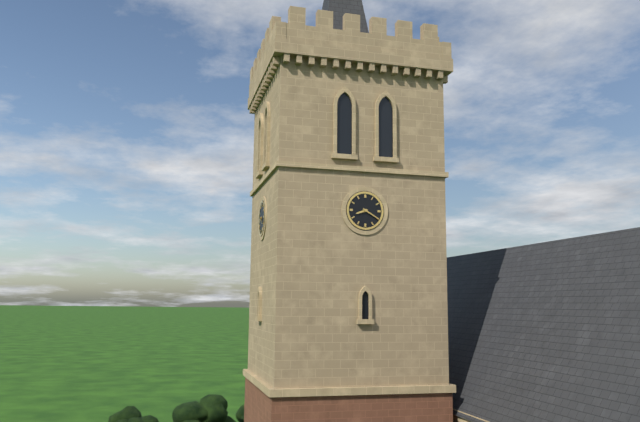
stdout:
8h20
